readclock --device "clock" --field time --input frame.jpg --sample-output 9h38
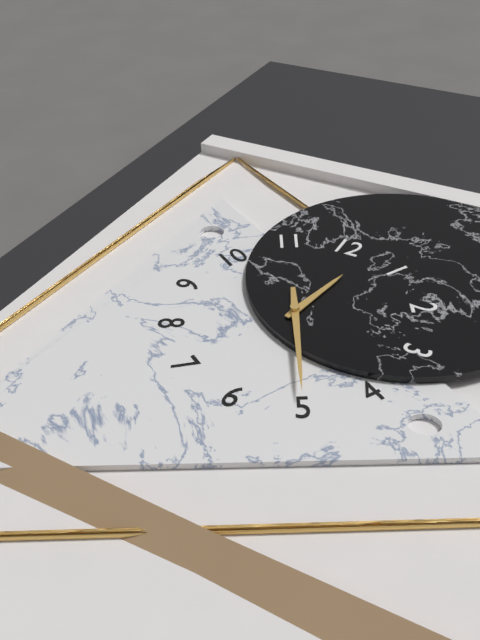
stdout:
12h25
